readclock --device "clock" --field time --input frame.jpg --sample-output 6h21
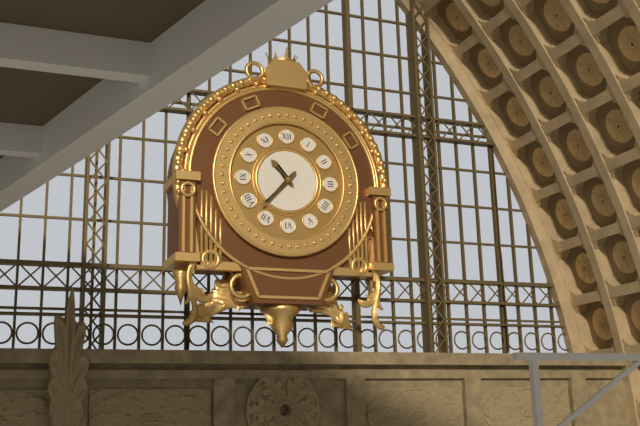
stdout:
10h37
